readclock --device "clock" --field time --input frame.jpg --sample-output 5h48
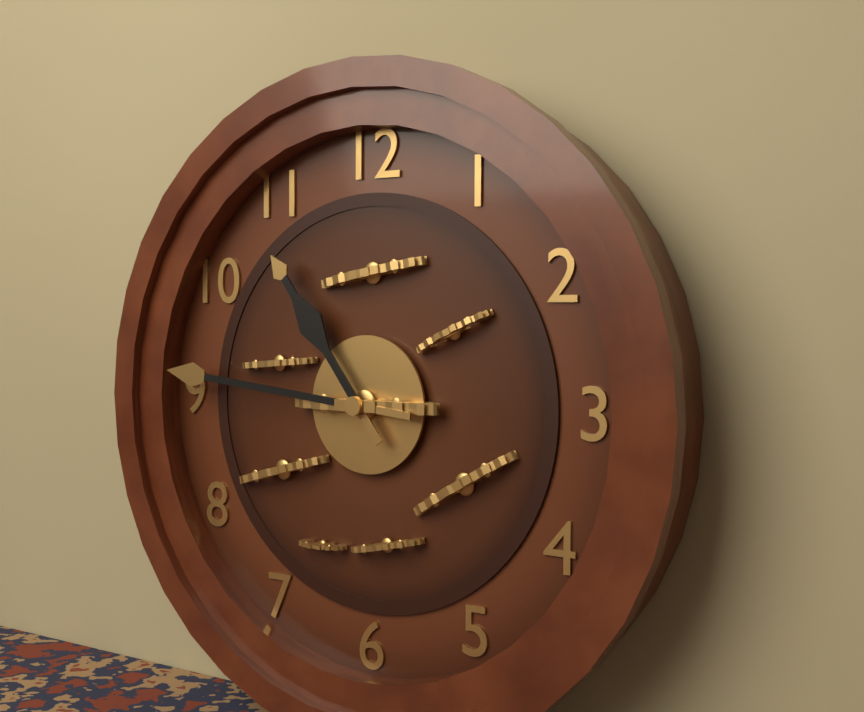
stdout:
10h46
